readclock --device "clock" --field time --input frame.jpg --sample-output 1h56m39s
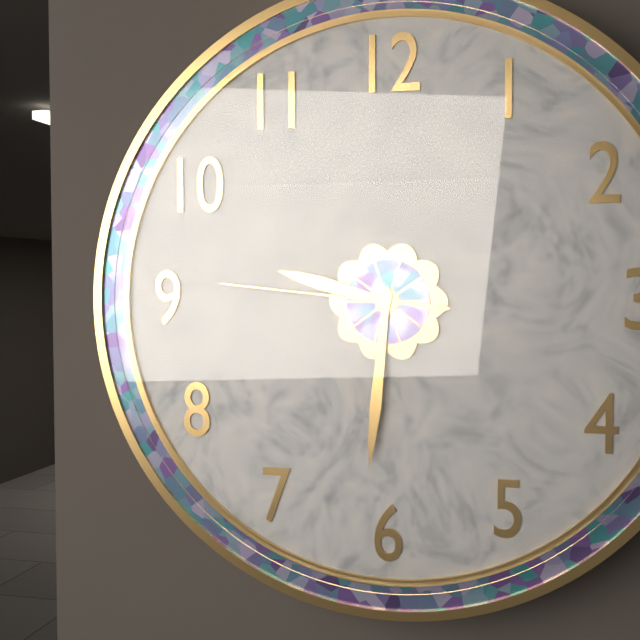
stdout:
9h31m46s
